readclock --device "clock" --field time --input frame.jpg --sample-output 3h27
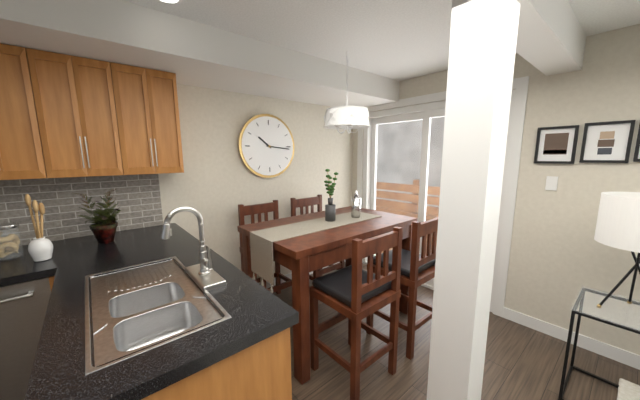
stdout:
10h16
